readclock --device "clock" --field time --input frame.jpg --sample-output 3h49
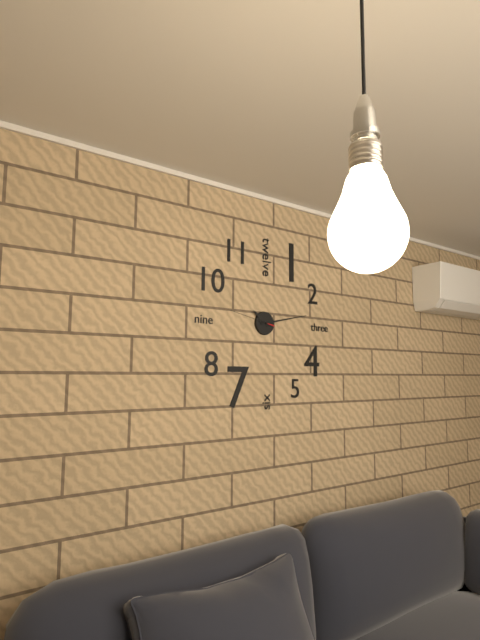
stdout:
10h13
